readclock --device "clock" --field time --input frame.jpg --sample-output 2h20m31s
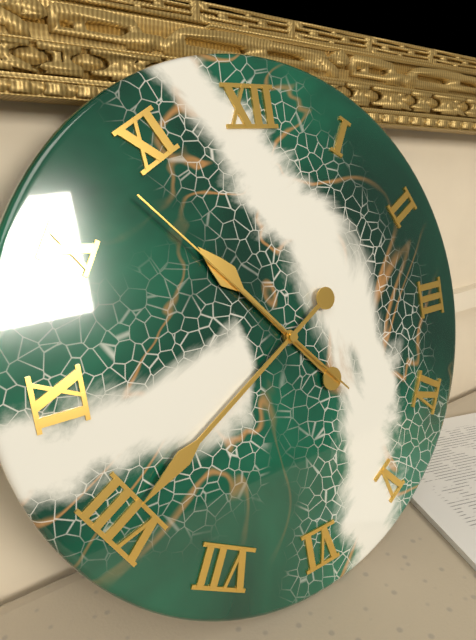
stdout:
10h40m53s
